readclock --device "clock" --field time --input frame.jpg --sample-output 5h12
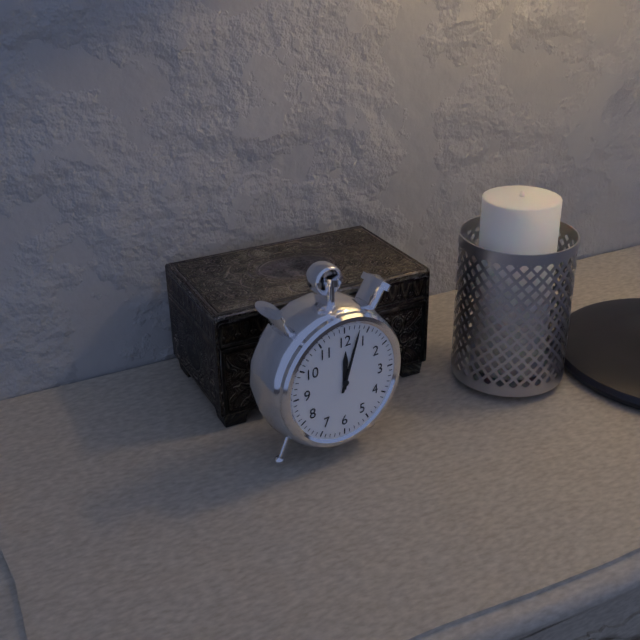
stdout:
12h03
